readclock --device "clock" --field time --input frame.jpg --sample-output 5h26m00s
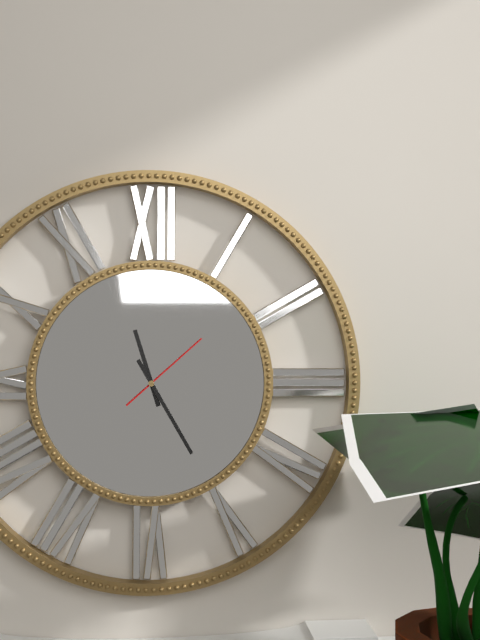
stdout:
11h25m08s
